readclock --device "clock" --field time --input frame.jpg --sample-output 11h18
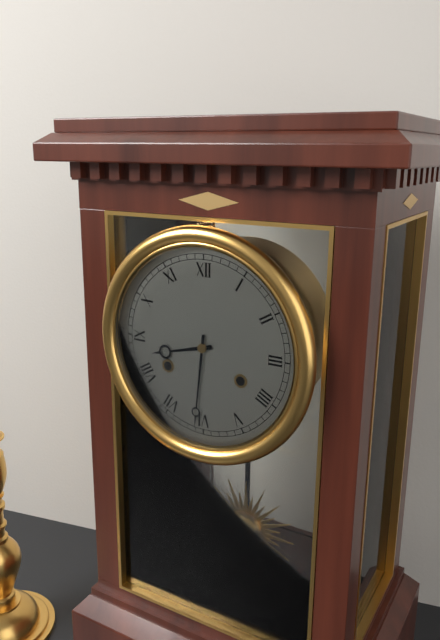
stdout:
8h31
